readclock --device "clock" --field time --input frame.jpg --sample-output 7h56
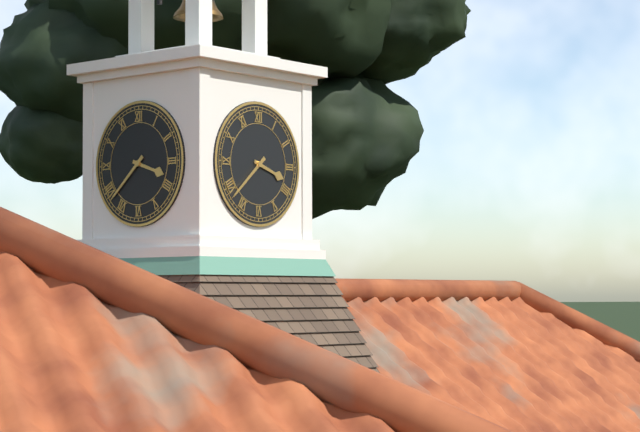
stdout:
3h38
